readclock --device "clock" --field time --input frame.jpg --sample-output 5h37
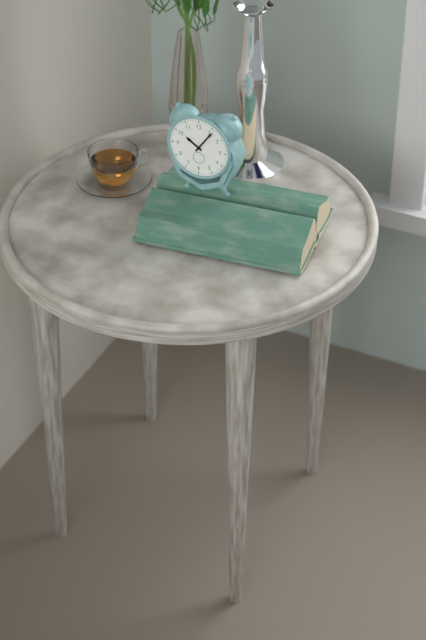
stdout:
10h06
